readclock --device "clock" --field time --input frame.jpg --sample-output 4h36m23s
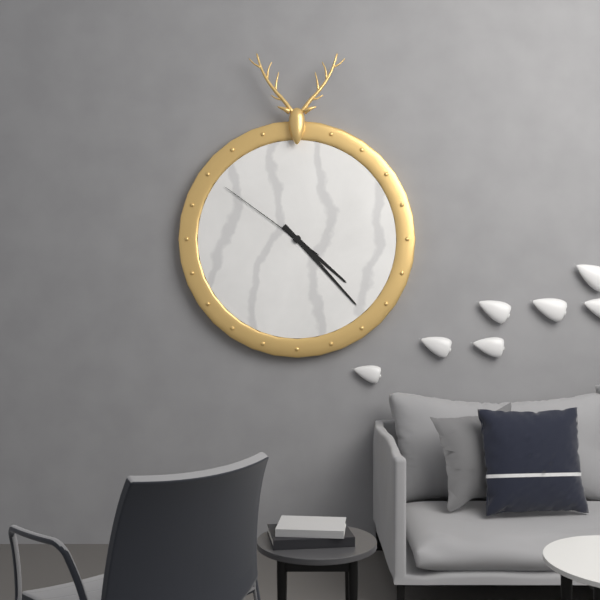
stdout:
4h23m51s
